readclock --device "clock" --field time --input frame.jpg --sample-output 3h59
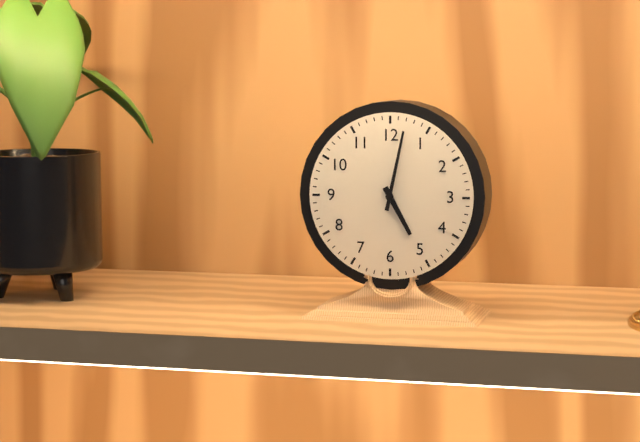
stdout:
5h02
